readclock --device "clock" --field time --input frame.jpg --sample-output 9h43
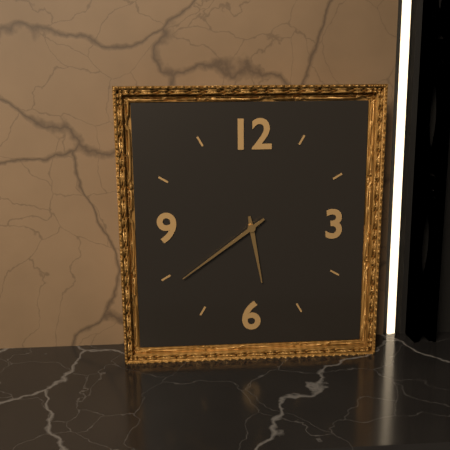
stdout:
5h39
